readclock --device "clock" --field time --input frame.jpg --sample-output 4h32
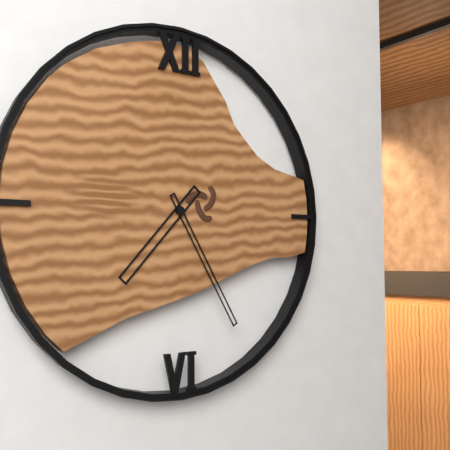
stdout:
7h25
